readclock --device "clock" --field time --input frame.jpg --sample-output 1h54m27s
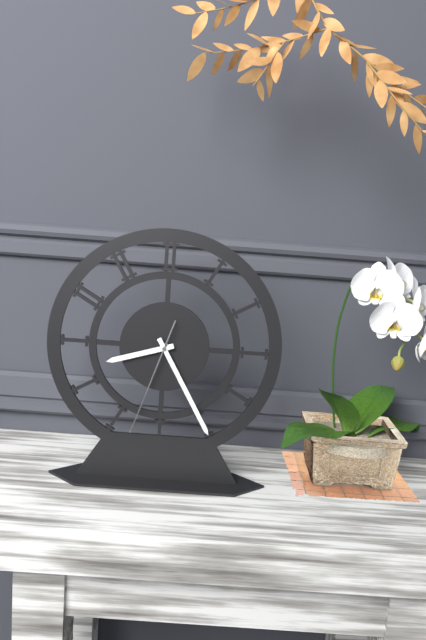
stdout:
8h25m33s
